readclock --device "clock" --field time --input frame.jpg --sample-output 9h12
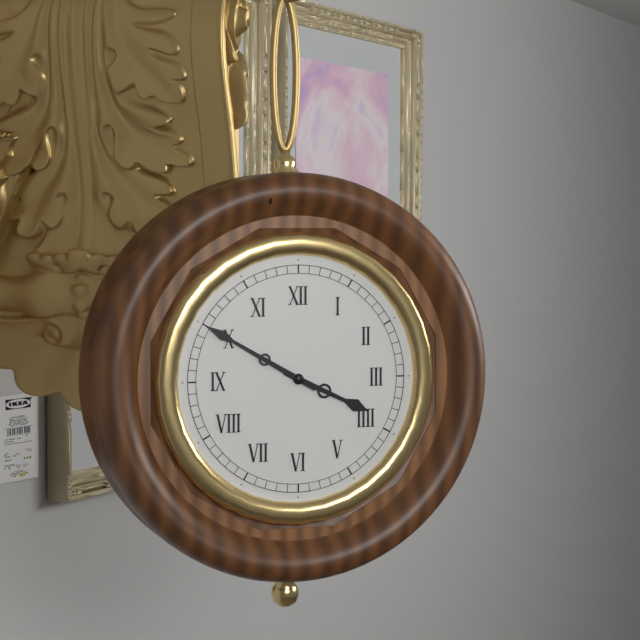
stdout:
3h50
